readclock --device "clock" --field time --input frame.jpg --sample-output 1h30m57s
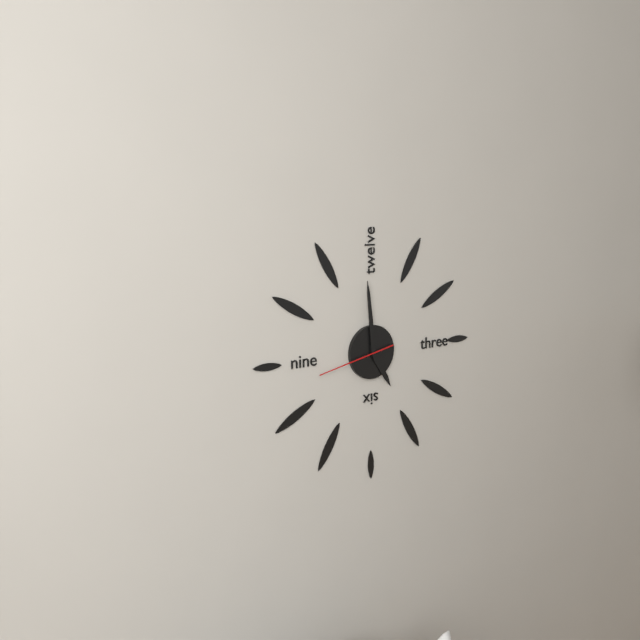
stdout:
4h59m43s
